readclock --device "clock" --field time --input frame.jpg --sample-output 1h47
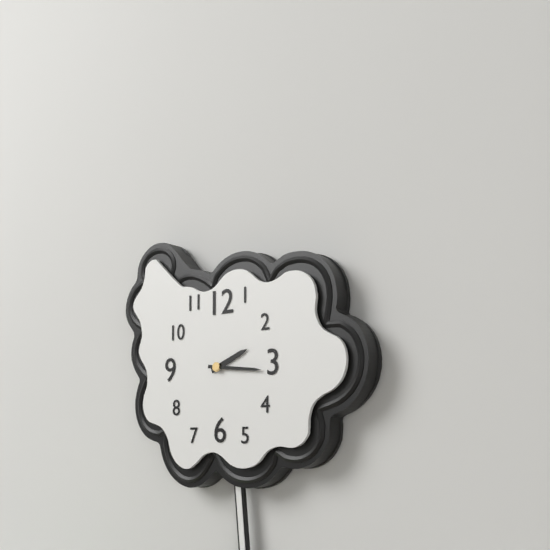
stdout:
2h16
